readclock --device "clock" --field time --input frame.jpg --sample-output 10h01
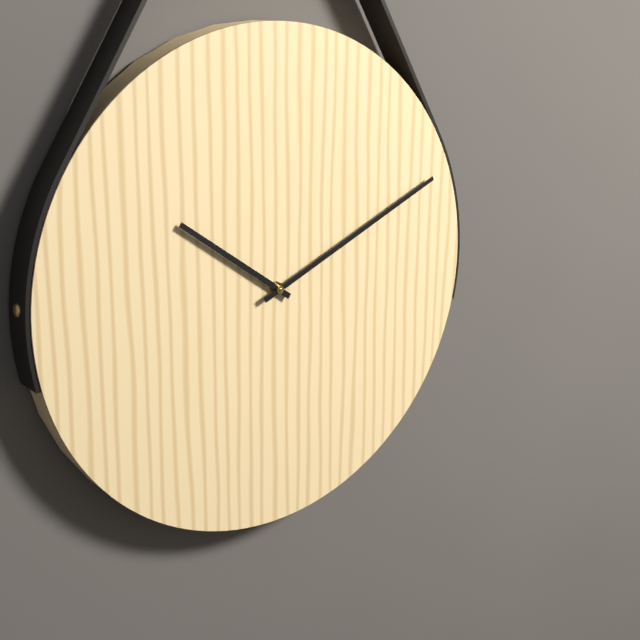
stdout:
10h11
